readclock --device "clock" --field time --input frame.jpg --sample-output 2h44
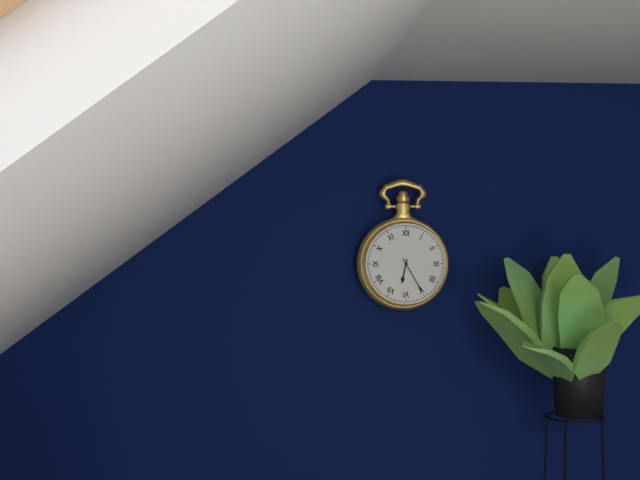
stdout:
6h25
